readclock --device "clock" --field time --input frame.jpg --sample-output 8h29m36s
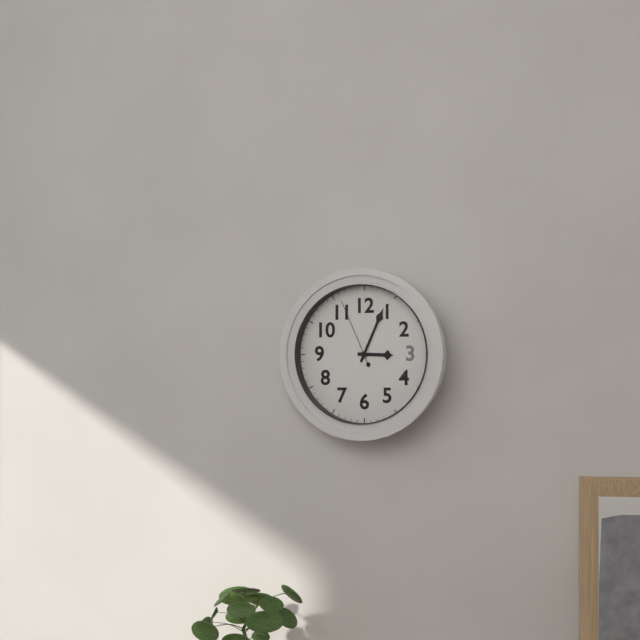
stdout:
3h04m56s
